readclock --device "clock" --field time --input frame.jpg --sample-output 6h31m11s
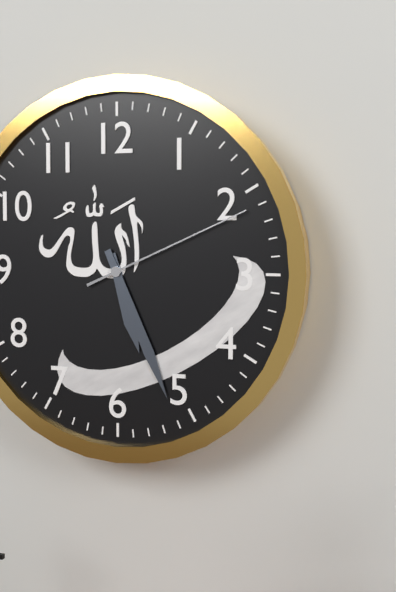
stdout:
5h26m11s
